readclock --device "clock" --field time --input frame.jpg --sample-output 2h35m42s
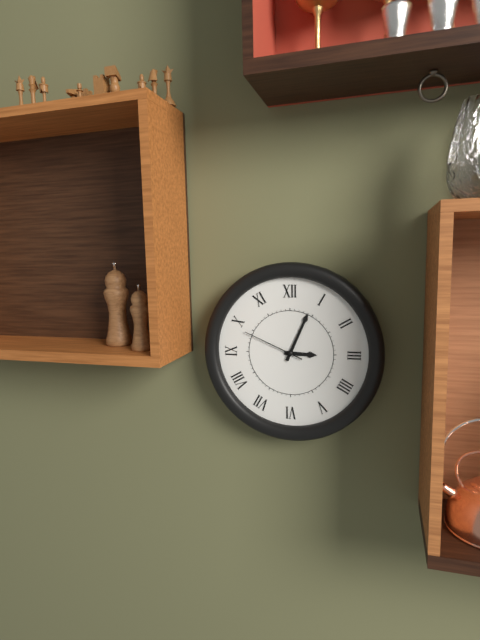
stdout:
3h04m49s
